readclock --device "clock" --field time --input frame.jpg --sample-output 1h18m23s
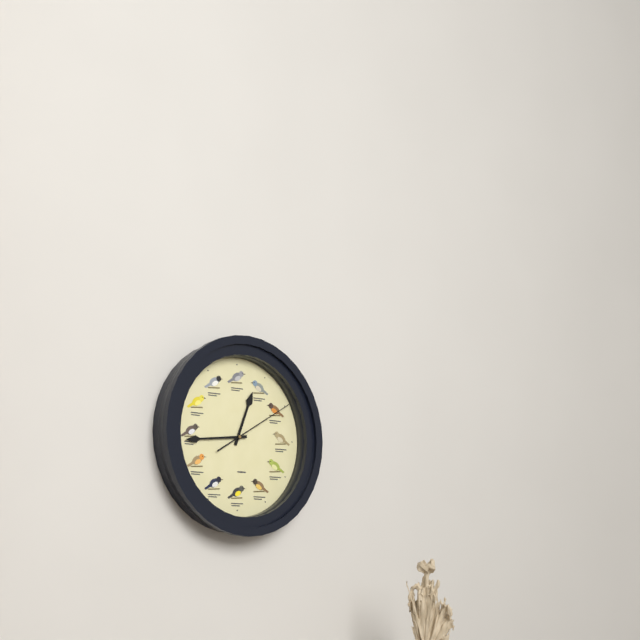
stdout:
12h44m10s
